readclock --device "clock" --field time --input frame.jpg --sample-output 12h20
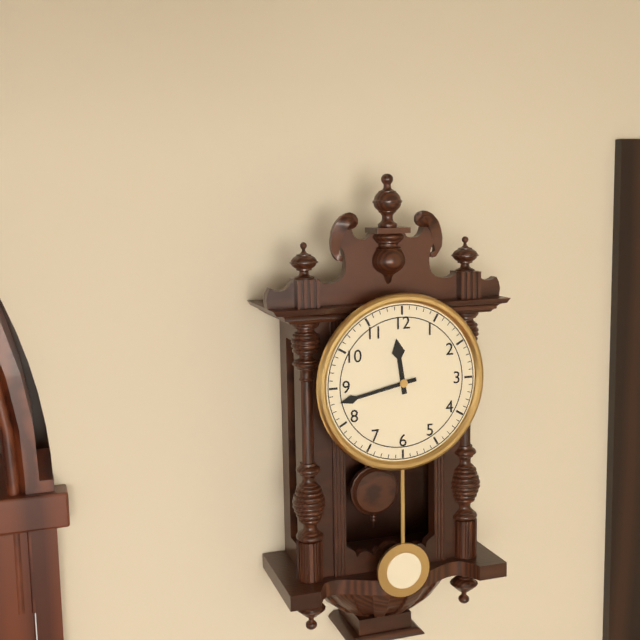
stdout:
11h43
